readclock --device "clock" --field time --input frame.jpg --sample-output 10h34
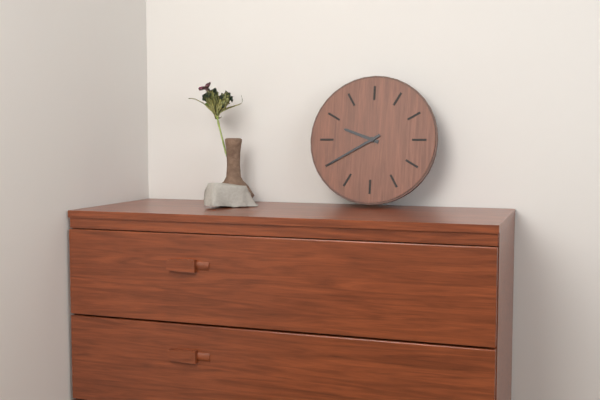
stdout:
9h40
